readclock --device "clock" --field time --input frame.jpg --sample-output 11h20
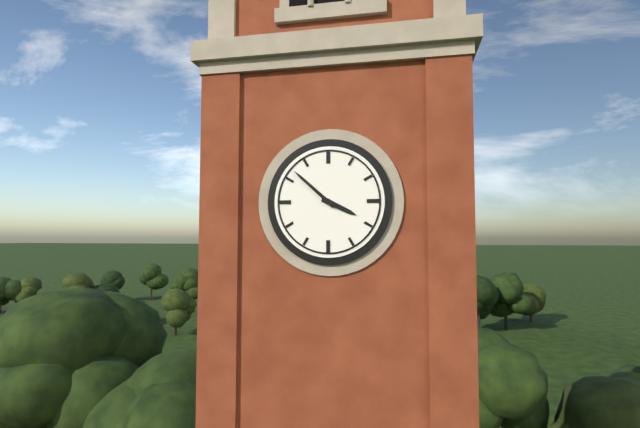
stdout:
3h52
